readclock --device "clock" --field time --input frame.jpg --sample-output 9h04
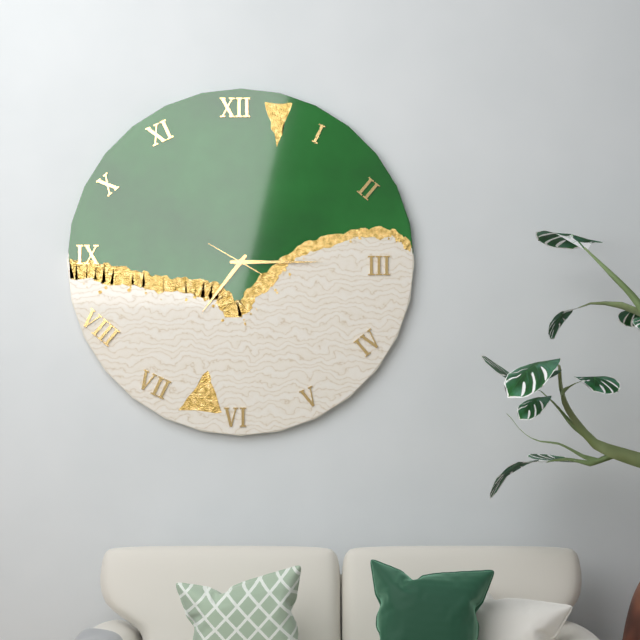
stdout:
7h15
